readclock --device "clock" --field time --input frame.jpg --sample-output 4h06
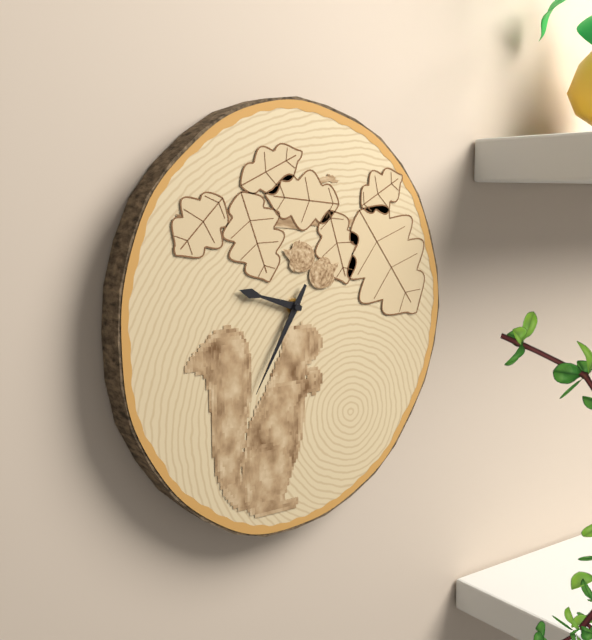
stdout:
9h35
